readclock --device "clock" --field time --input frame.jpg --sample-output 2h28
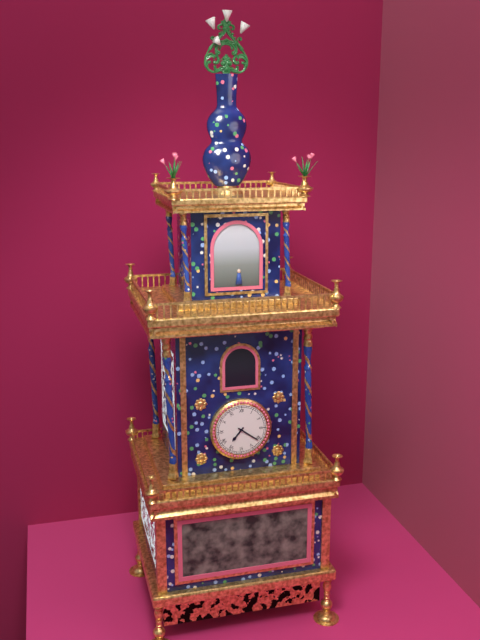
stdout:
7h21
